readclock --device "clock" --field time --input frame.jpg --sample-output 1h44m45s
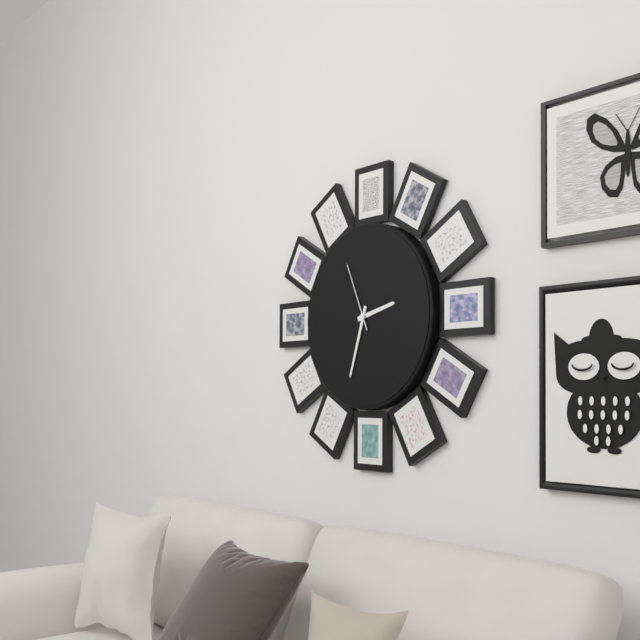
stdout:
2h33m56s
